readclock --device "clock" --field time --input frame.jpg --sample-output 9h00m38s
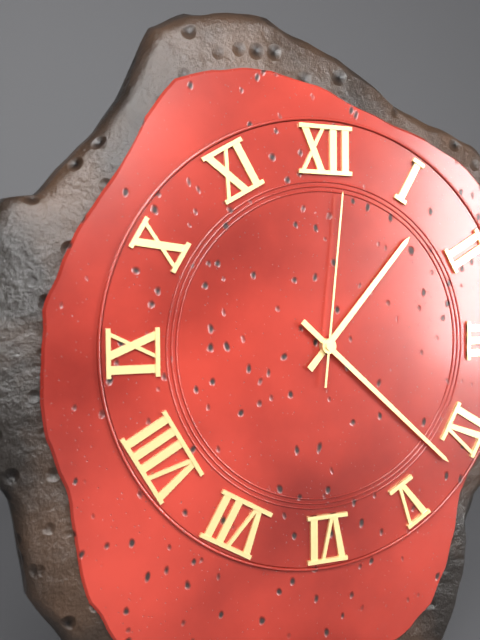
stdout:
1h22m01s
